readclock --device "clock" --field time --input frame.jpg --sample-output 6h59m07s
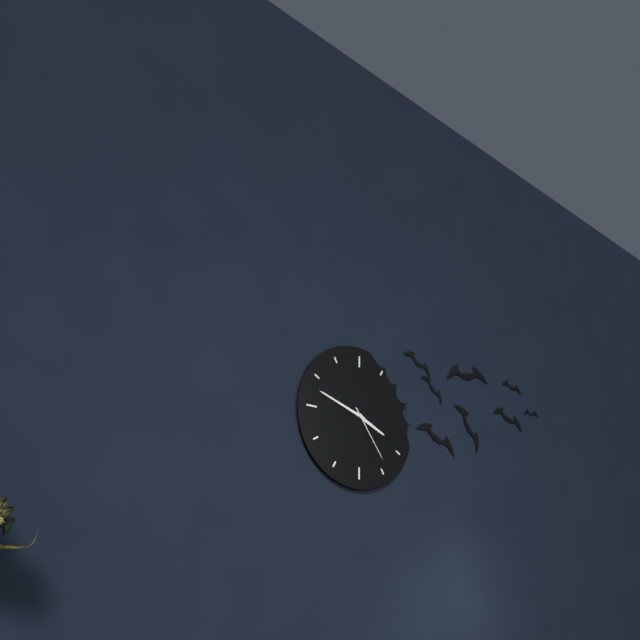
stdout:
3h48m24s
